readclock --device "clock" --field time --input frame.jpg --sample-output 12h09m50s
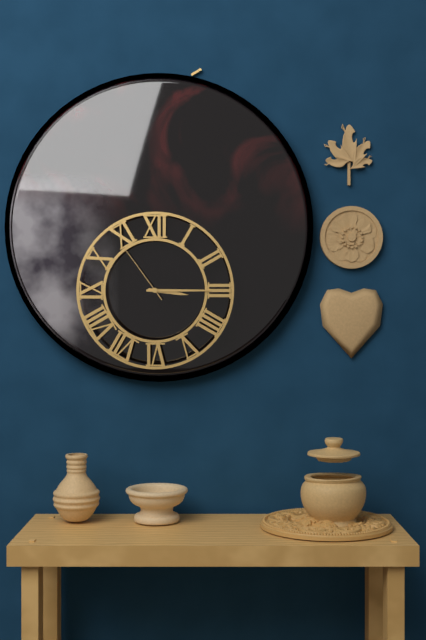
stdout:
3h15m54s
